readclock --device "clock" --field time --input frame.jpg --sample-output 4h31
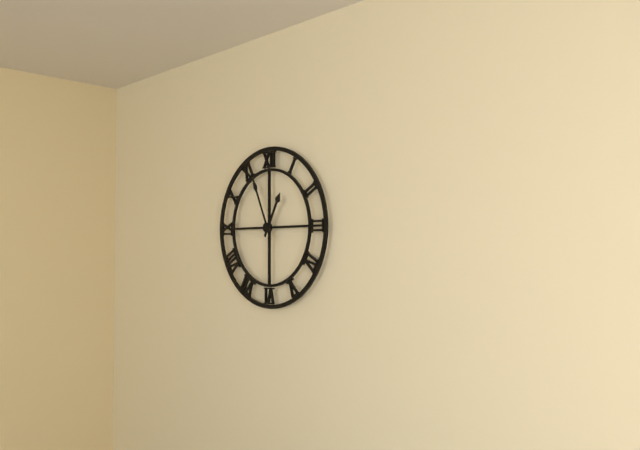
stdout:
12h56
